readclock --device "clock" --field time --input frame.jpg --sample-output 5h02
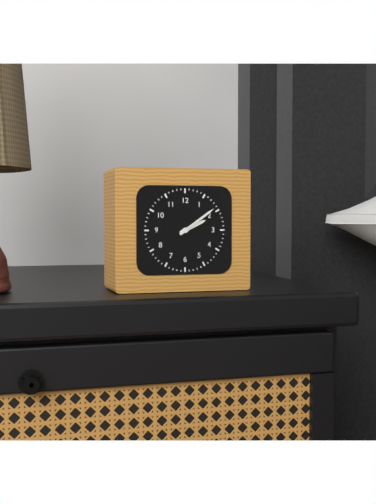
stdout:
2h09
